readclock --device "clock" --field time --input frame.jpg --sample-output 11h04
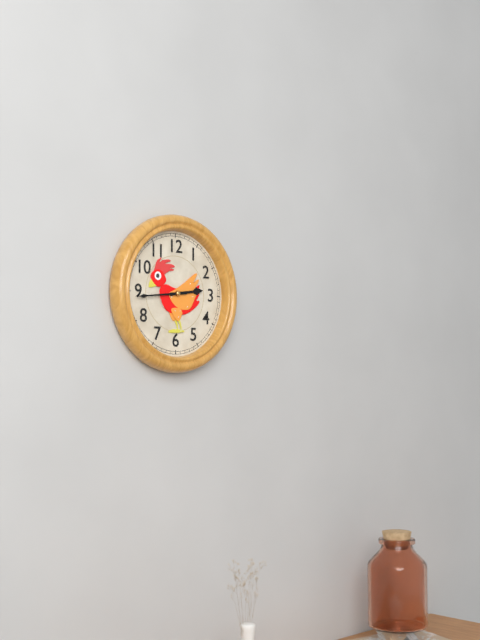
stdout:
2h44
